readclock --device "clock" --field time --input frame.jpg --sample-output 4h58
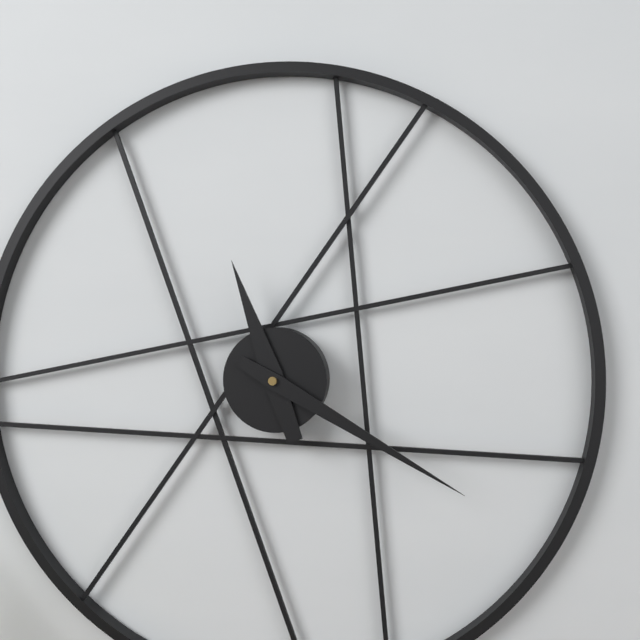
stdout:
11h20
